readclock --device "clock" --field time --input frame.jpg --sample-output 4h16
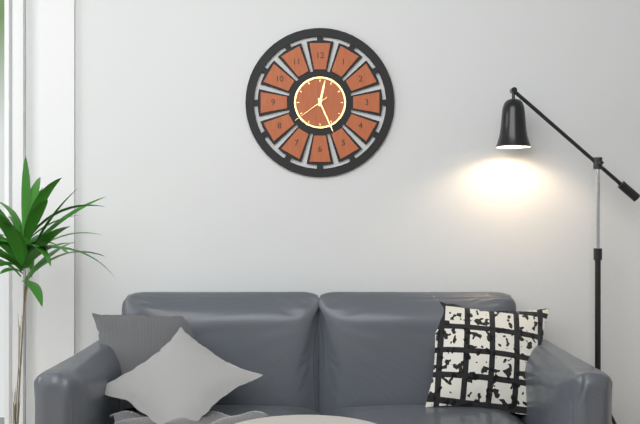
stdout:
12h26
